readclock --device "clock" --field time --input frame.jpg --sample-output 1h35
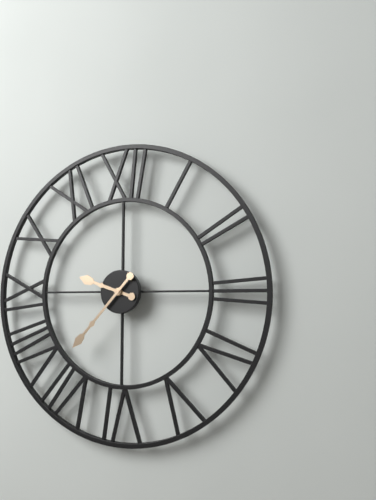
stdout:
9h37
